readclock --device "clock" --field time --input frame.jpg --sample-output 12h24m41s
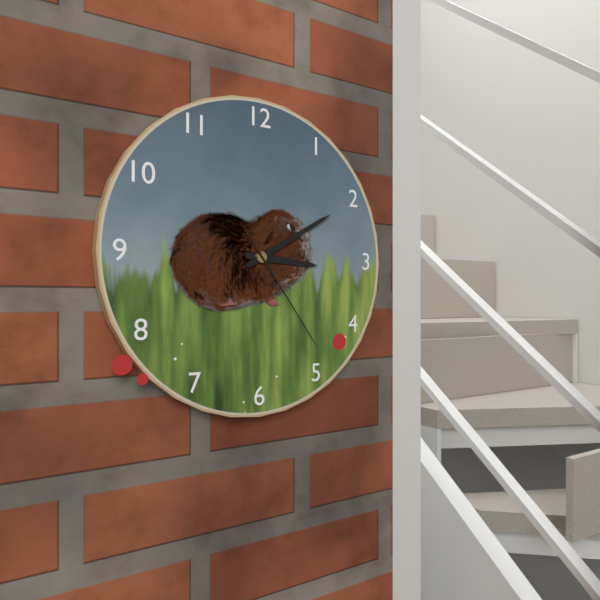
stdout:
3h10m24s
